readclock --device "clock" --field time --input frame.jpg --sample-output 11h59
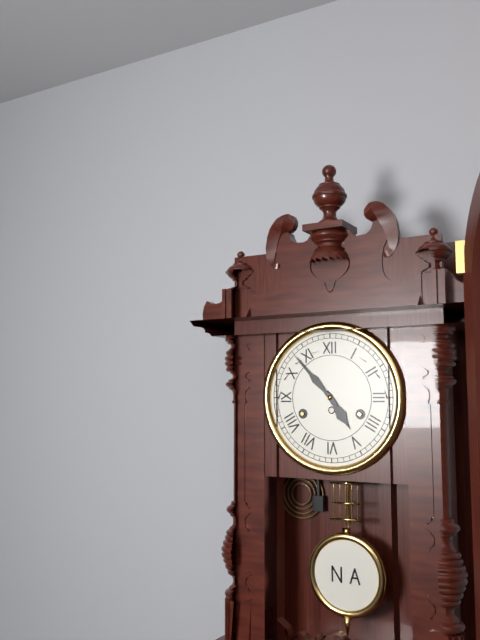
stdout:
4h53
